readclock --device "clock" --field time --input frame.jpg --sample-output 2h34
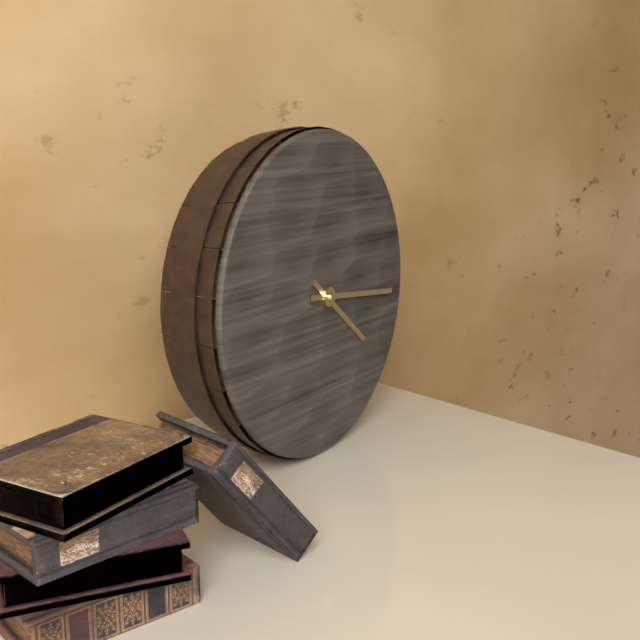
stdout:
4h16
